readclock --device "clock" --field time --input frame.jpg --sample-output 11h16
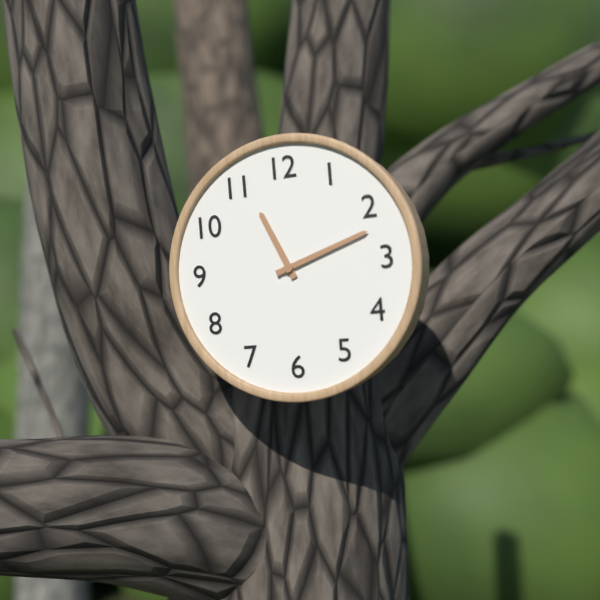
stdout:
11h12
